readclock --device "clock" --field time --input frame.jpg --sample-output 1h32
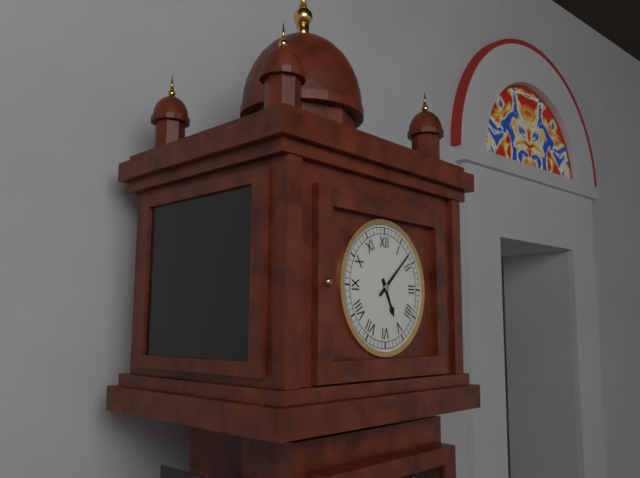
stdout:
5h08
